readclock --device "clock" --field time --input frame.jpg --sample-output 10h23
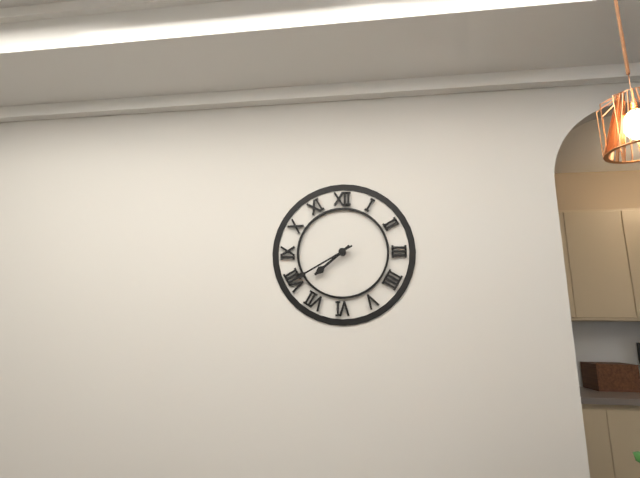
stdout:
7h40
